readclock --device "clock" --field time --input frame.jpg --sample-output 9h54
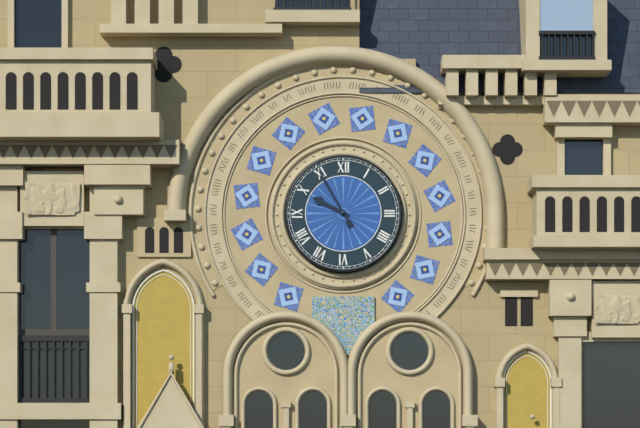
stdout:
9h55
